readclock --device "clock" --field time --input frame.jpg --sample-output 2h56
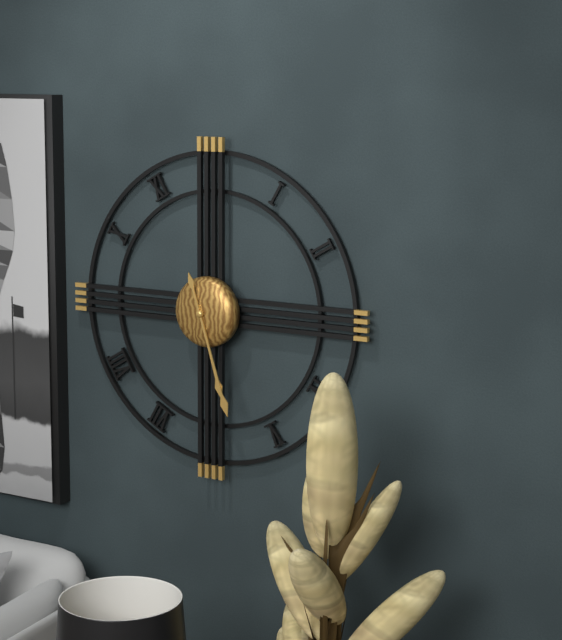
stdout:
5h27
